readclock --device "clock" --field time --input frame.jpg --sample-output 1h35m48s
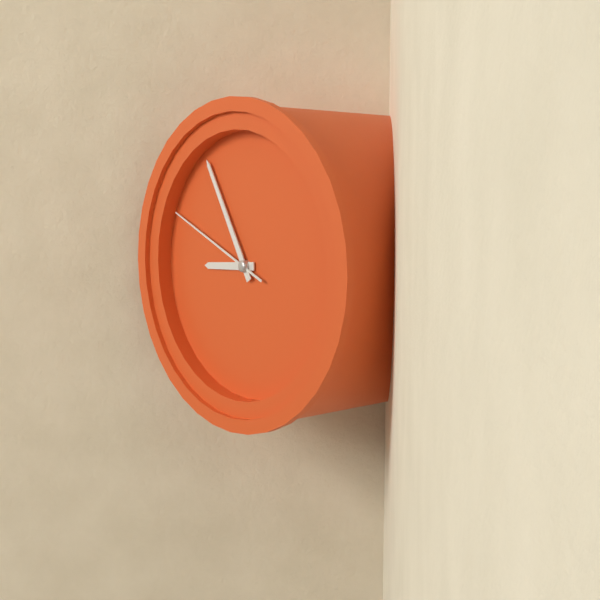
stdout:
8h55m49s
